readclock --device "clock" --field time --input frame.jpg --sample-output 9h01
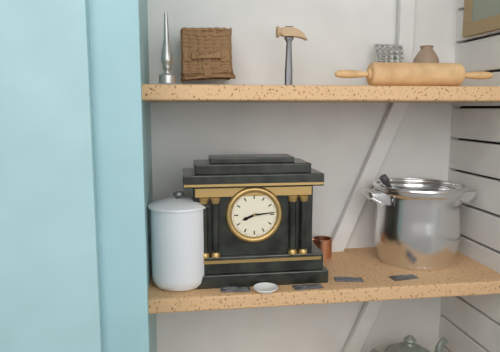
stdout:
8h14
